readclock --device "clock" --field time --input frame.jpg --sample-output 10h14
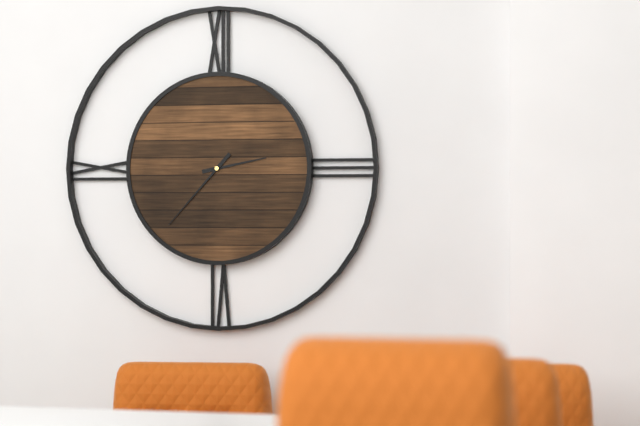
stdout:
2h37
